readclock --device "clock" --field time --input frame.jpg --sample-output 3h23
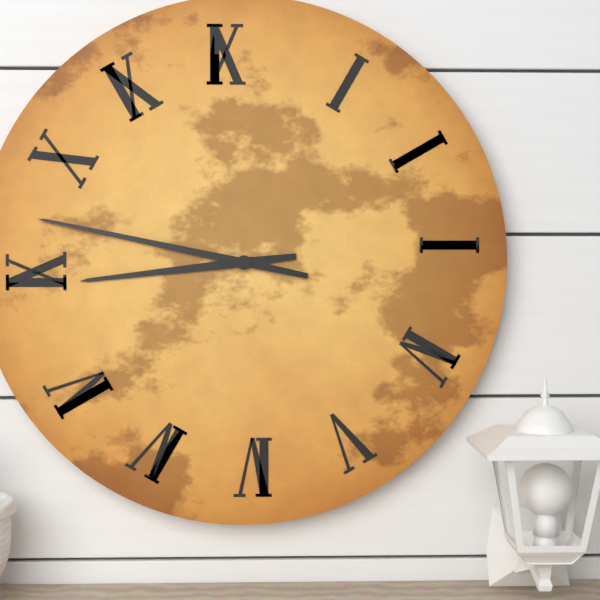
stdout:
8h47
